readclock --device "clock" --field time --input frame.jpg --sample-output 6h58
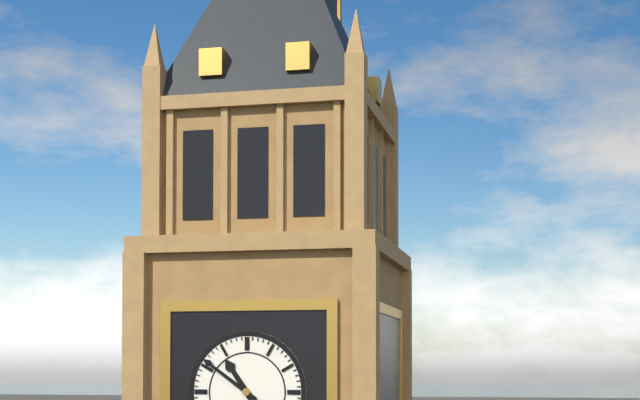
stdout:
10h51
